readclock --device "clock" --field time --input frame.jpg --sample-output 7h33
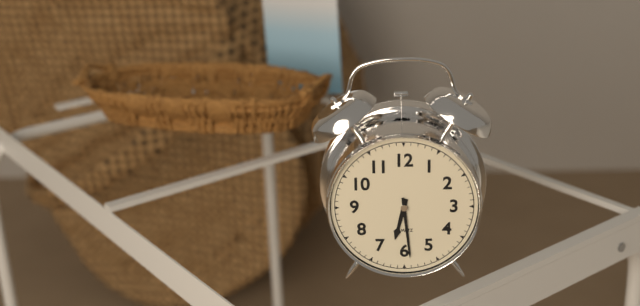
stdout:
6h29
